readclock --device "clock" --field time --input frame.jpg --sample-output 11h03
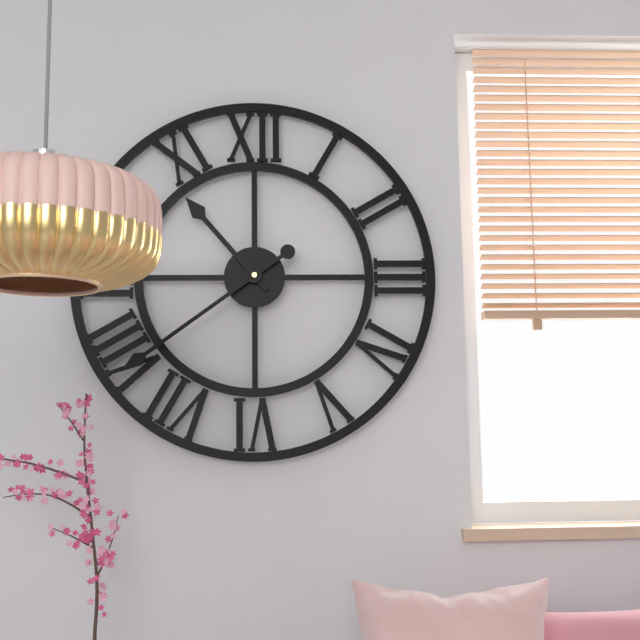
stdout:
10h39
